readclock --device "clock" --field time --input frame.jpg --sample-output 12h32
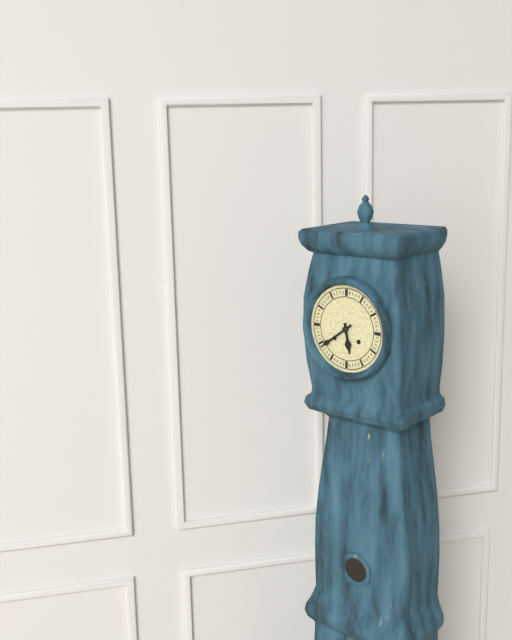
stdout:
5h39
